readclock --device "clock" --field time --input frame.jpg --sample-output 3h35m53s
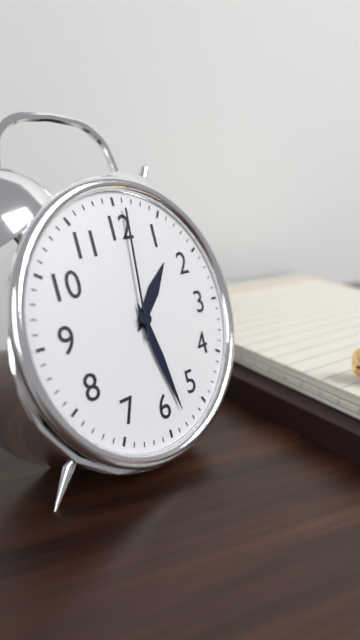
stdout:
1h28m01s
